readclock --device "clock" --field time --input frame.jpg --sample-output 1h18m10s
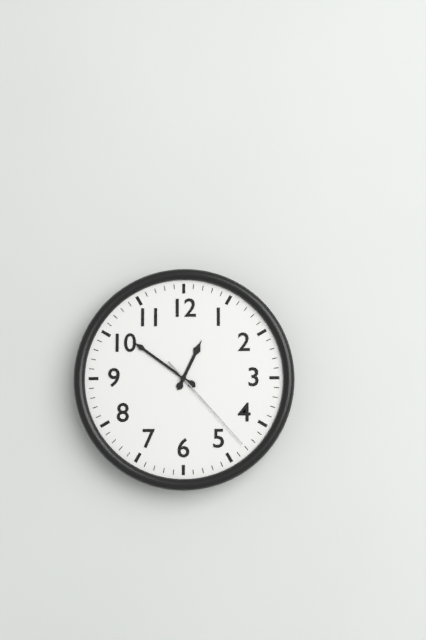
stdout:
12h51m23s
